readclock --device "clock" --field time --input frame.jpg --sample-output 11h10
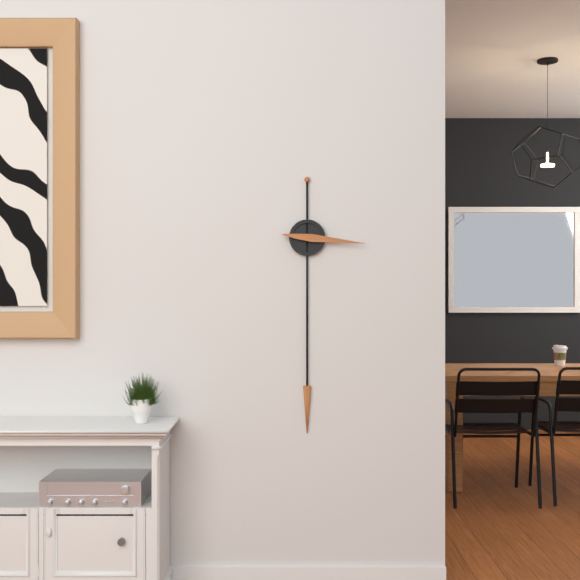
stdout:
3h16
